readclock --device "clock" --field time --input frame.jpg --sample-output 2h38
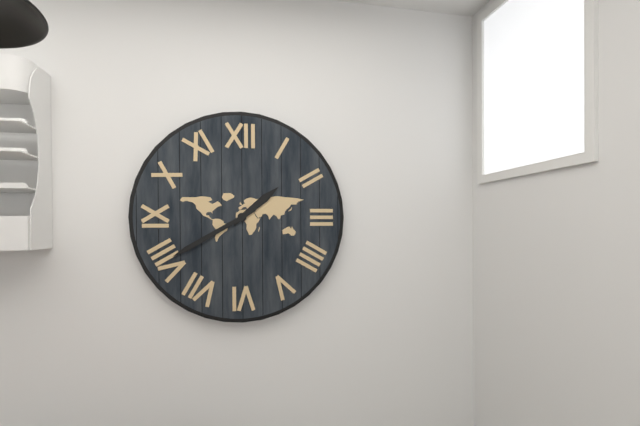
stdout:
1h40
